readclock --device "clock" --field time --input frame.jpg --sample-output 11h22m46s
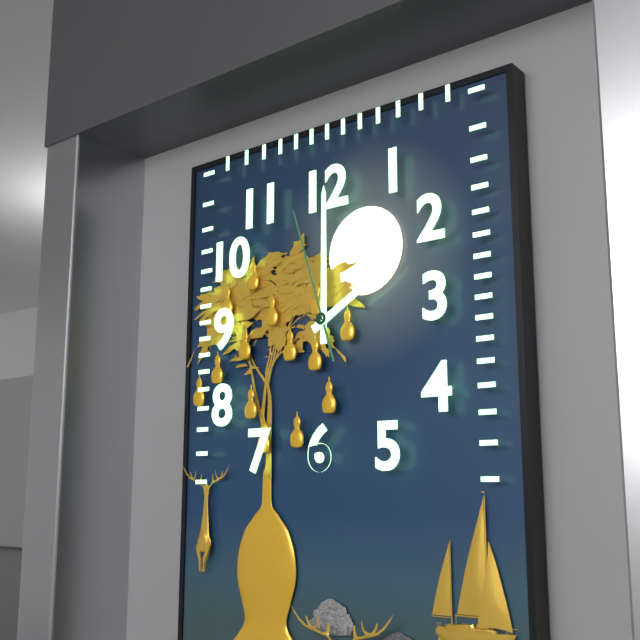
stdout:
2h00m57s
